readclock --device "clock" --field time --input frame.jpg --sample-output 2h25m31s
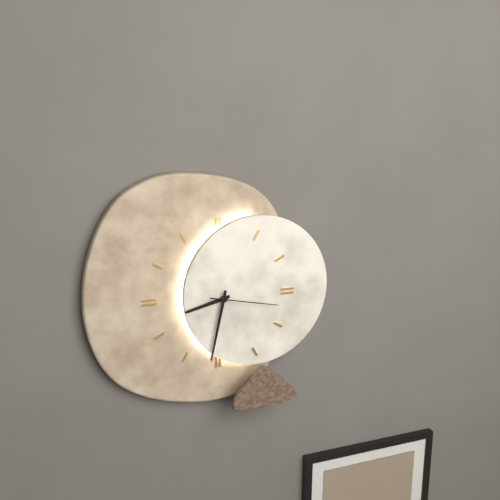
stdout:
8h32m17s
